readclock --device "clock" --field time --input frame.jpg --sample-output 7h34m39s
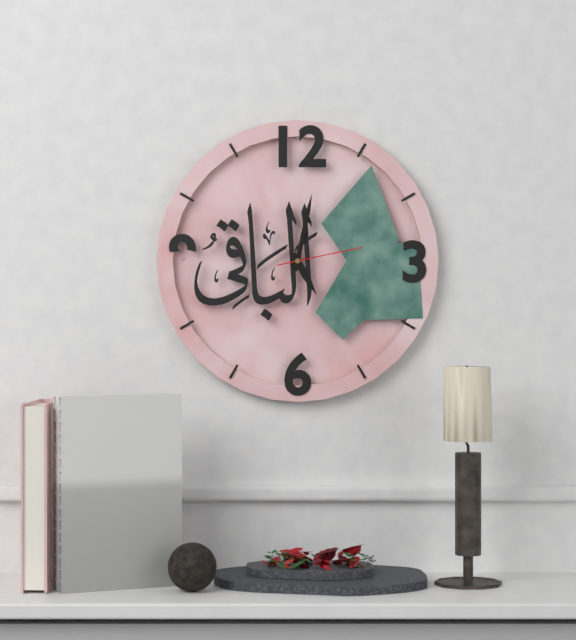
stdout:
5h02m13s
